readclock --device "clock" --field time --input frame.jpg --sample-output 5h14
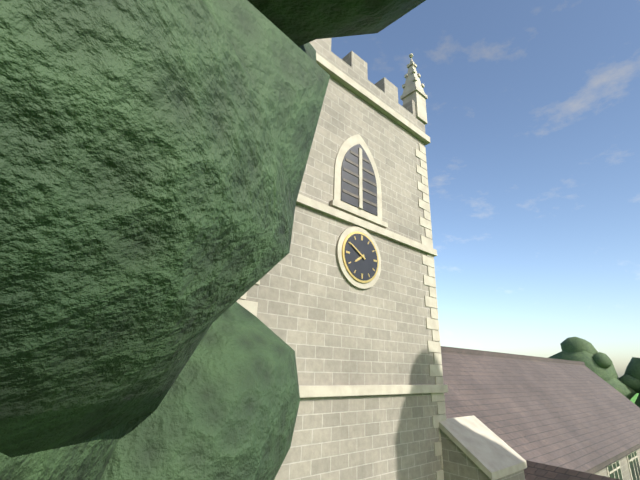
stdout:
7h50
